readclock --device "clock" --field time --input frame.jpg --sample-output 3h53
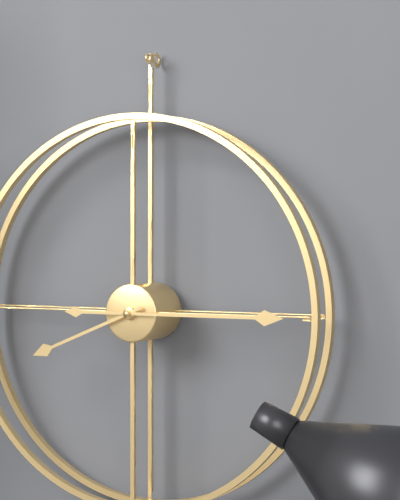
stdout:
8h15
